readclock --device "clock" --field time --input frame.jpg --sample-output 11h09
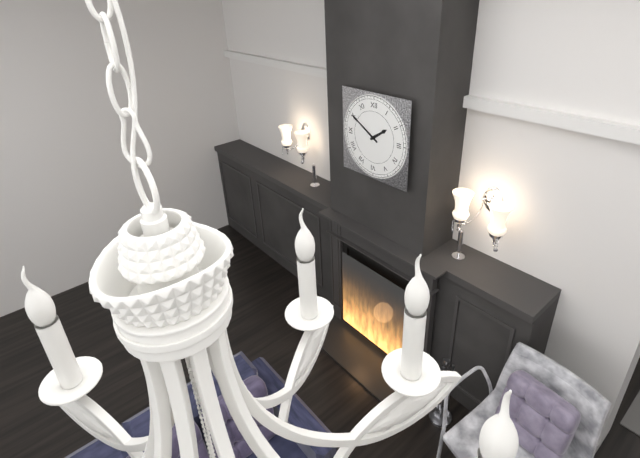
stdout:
1h50
